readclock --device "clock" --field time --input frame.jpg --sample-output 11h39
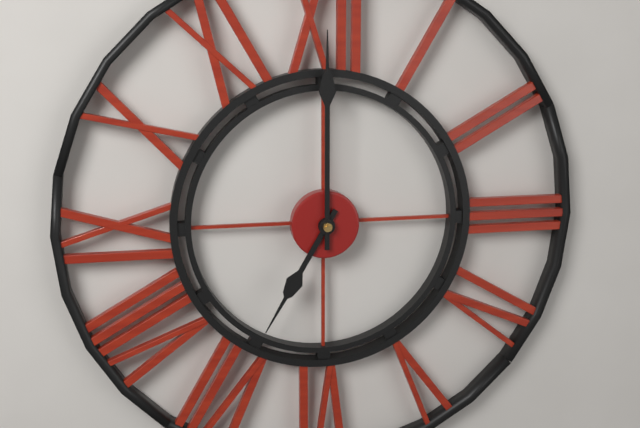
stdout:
7h00
